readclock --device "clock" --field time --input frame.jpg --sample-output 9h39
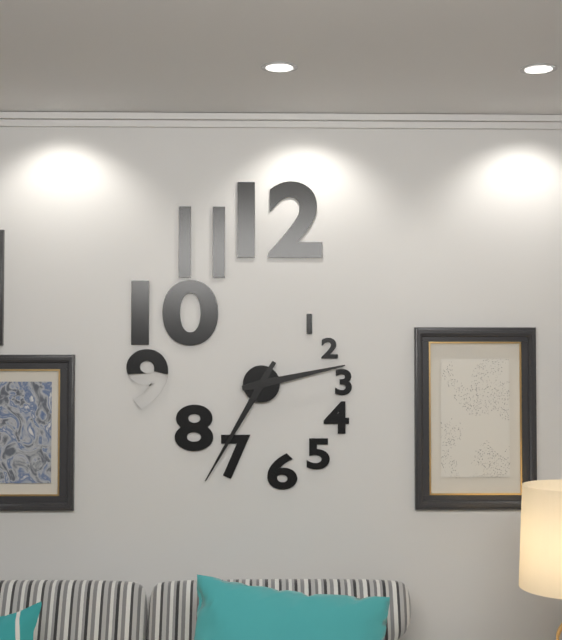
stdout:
2h35
